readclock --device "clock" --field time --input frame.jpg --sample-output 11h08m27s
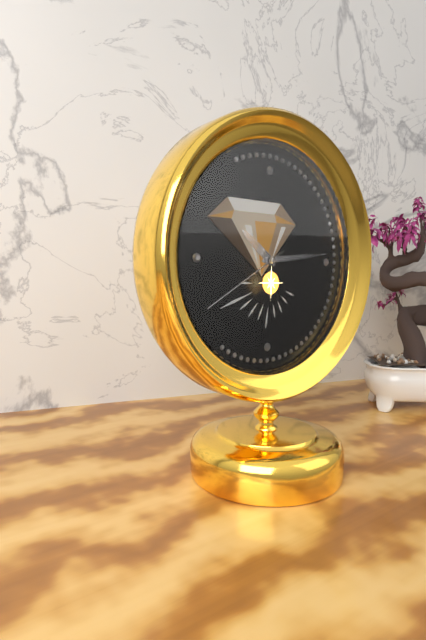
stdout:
10h14m40s
